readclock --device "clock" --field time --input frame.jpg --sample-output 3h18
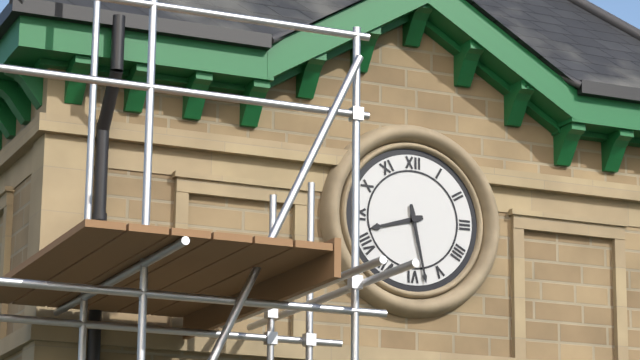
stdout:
8h28
